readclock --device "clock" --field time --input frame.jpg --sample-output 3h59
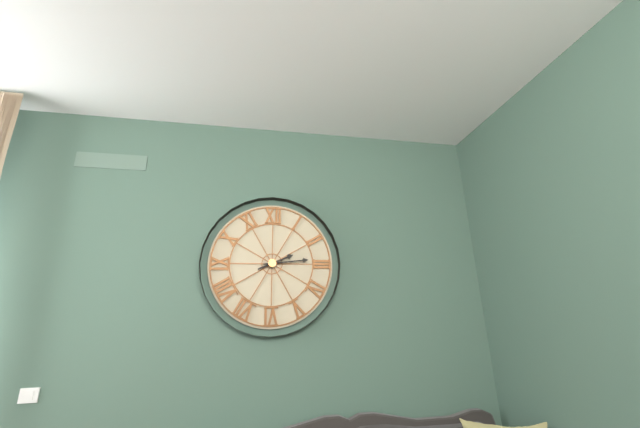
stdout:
2h14
